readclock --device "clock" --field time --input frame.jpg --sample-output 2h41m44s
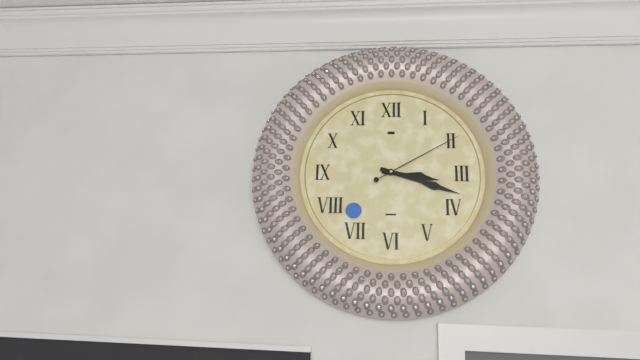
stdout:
3h18m10s
